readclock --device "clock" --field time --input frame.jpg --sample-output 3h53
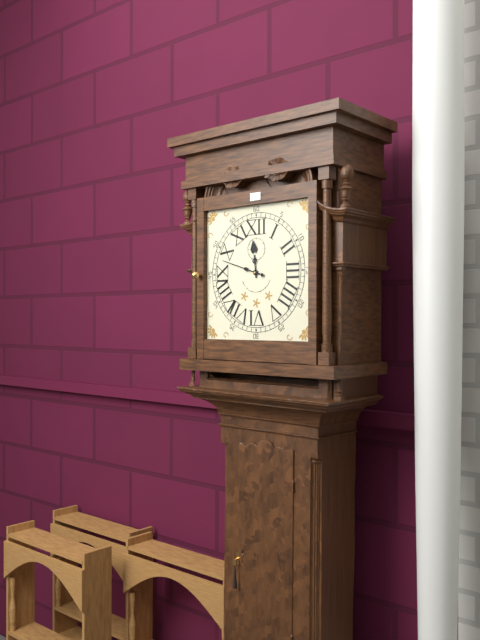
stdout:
11h48
